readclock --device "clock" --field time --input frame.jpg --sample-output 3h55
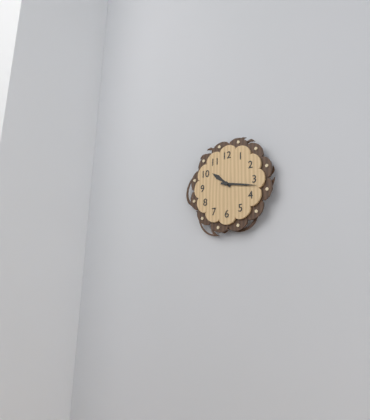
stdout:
10h17
